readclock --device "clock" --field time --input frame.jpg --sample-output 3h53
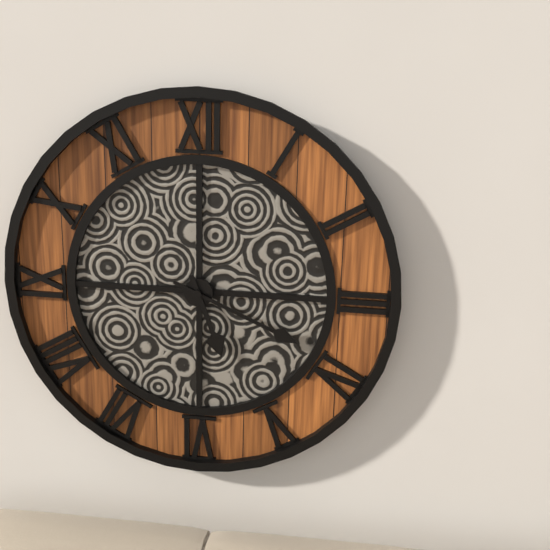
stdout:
5h19
